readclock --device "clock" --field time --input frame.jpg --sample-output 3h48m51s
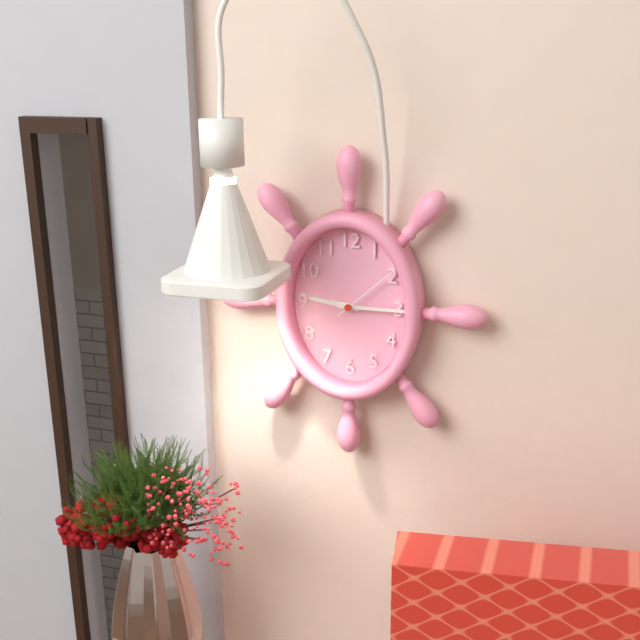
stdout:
9h15m08s
